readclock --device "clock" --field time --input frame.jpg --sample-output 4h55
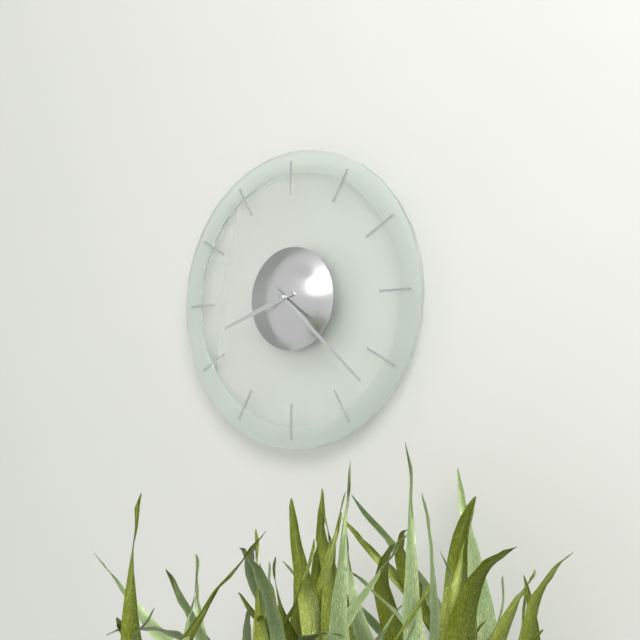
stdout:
8h22
